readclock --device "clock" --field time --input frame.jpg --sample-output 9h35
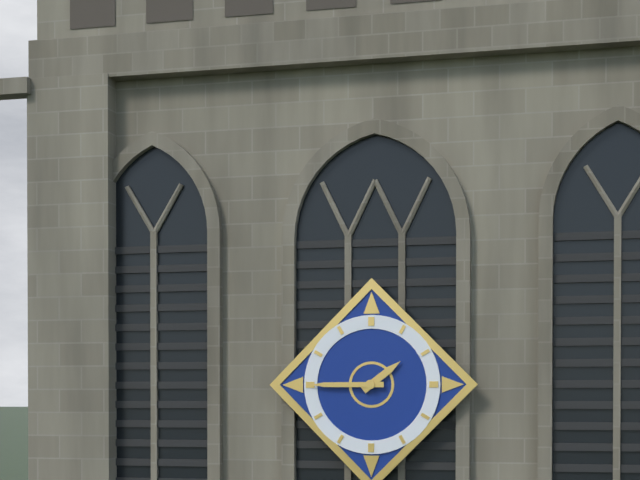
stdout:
1h45
